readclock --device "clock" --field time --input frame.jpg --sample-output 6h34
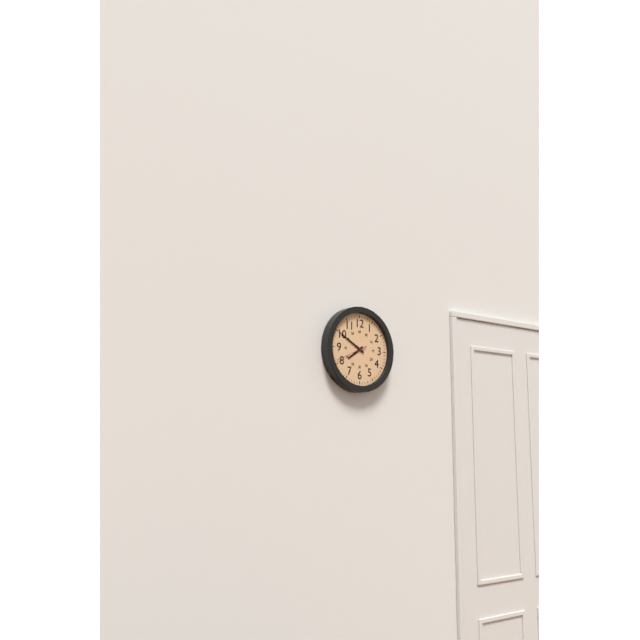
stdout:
7h50
